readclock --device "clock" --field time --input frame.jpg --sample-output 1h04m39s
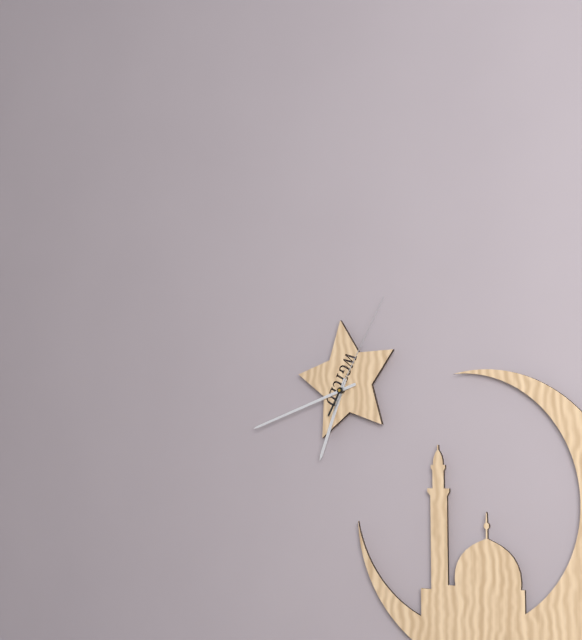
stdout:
6h42m05s
